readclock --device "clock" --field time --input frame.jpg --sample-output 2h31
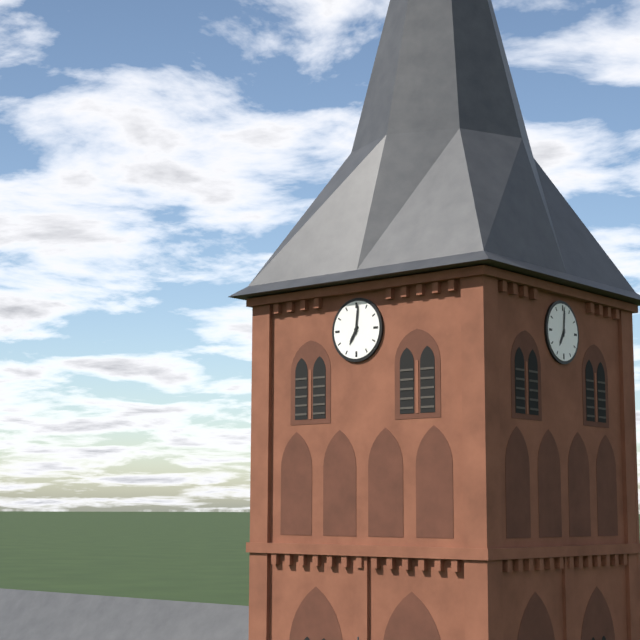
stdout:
7h01
